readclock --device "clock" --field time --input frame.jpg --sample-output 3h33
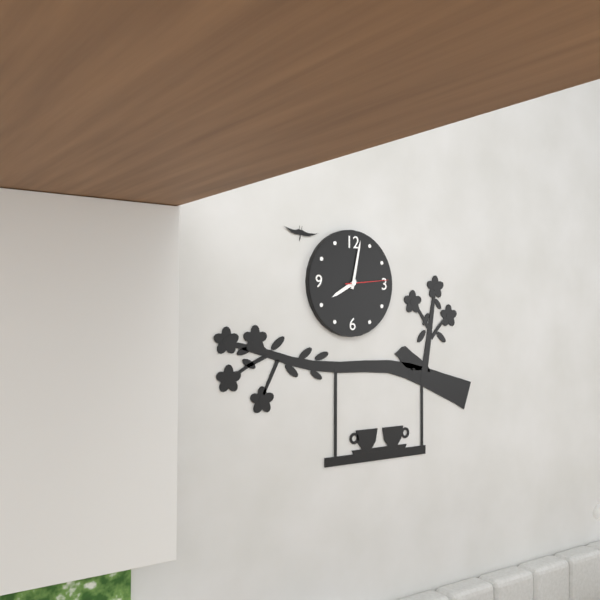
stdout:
8h02
